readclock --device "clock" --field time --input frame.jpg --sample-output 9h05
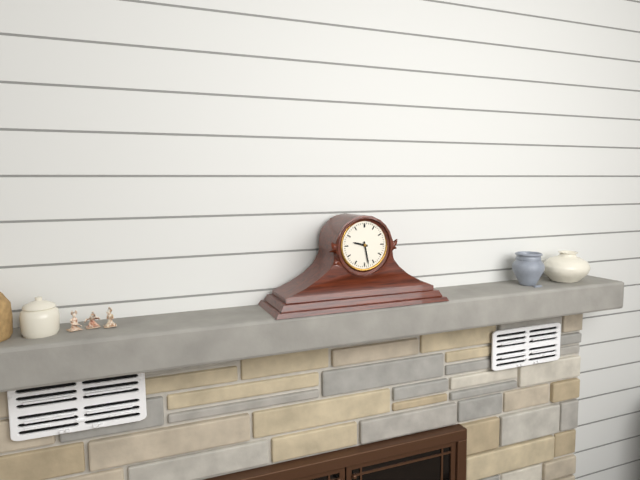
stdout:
9h28
